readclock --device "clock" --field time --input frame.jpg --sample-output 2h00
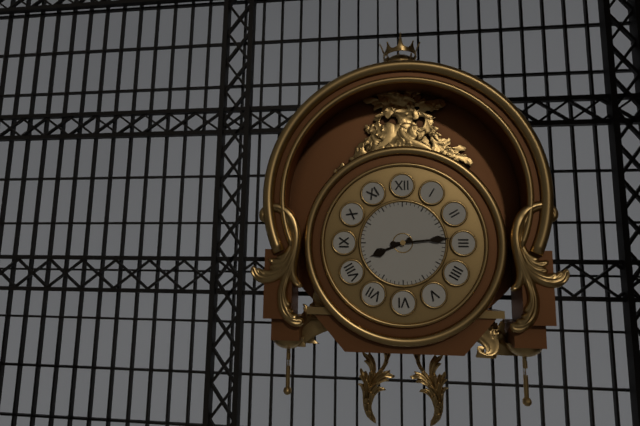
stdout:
8h14
